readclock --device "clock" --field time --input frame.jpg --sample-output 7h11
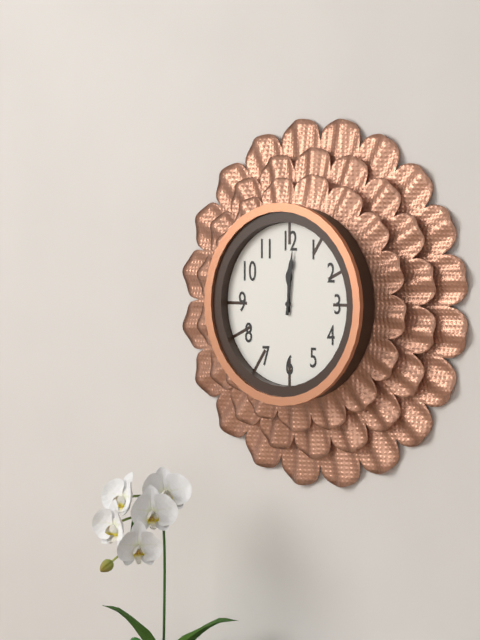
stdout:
12h01
